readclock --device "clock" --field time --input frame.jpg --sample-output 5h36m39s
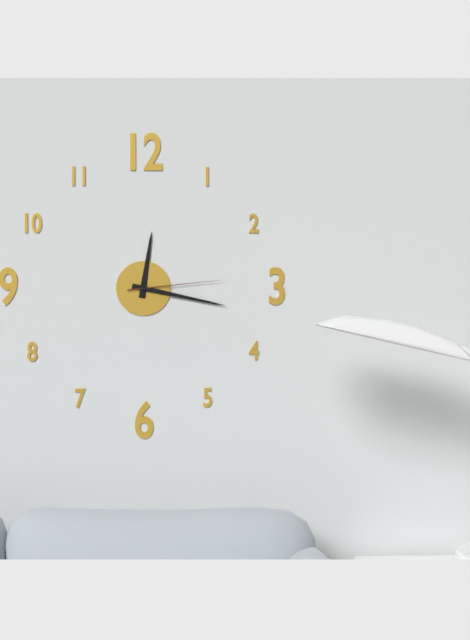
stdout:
12h17m14s
